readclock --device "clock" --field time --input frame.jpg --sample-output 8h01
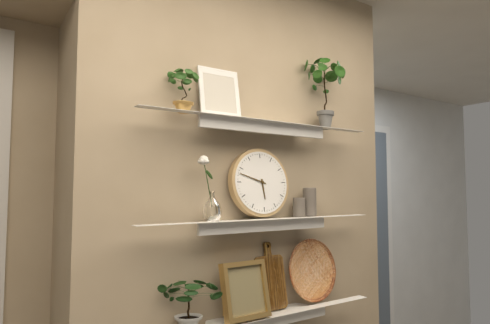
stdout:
5h48
